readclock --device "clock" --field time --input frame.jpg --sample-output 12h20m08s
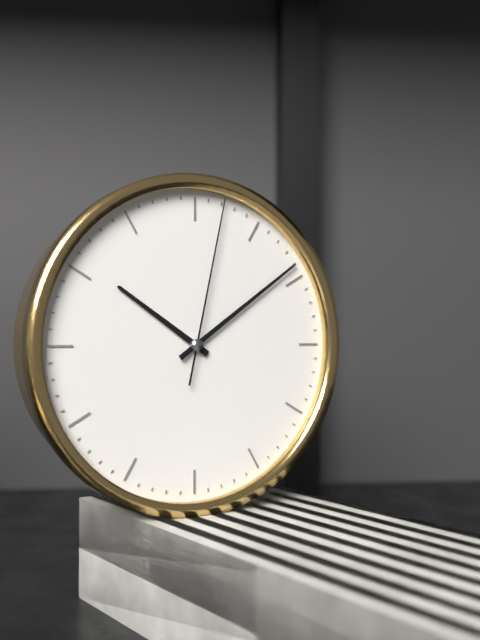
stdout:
10h09m02s
